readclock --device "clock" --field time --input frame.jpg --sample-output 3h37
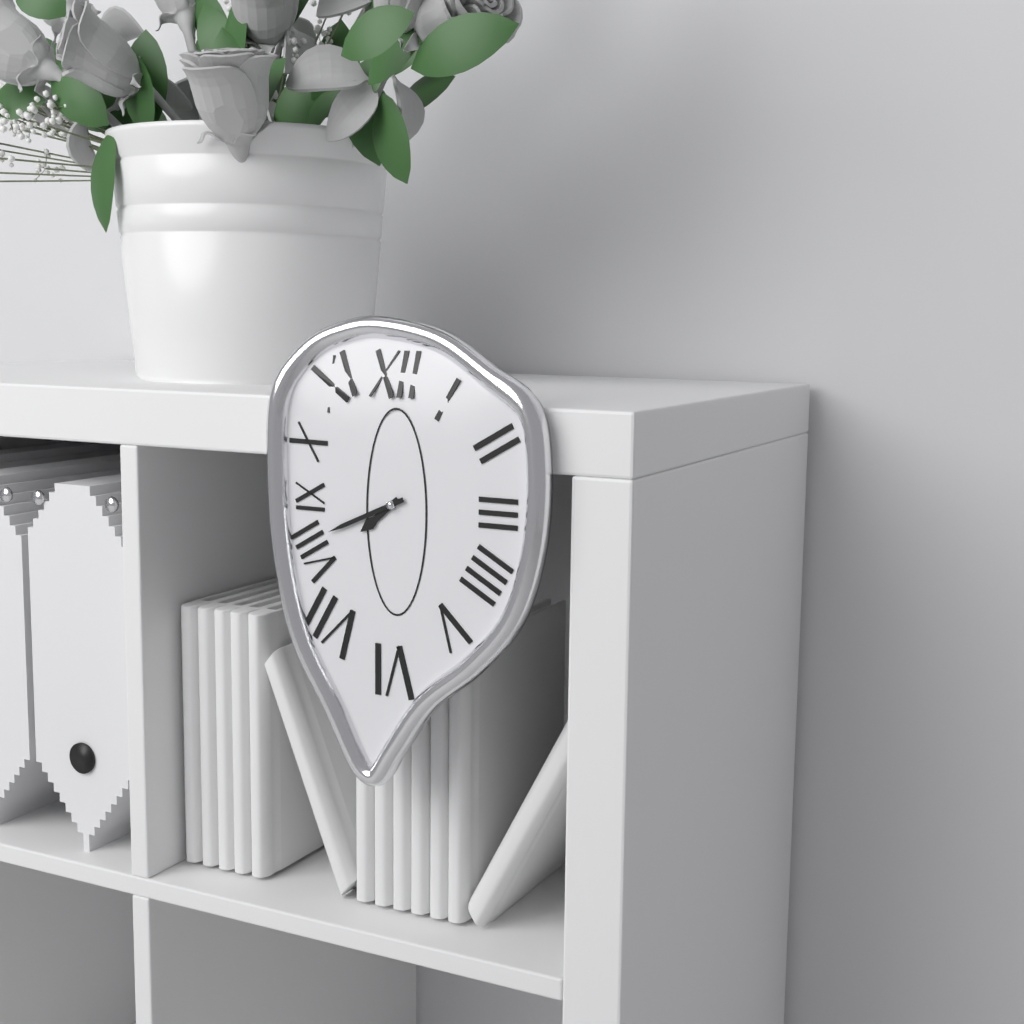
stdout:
7h41
